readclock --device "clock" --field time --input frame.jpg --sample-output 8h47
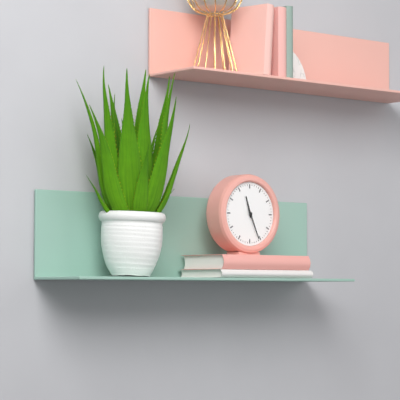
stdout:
11h26
